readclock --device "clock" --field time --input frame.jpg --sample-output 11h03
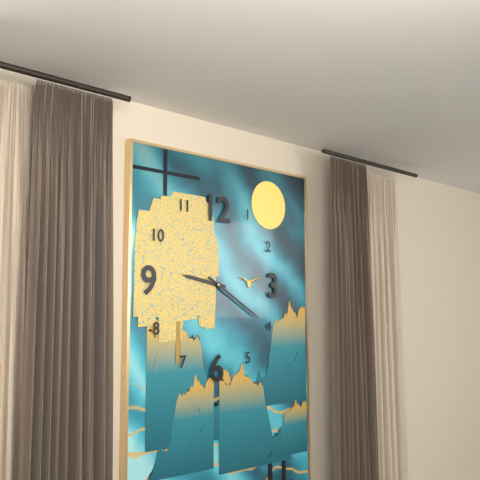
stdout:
9h20
